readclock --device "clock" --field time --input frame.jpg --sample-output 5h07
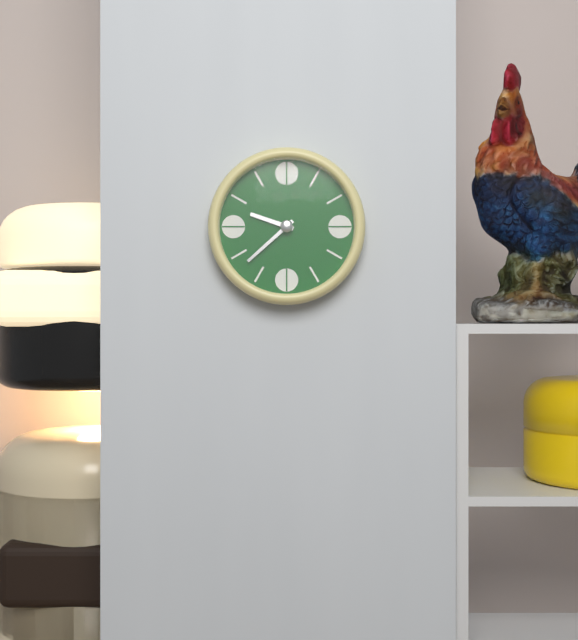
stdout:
9h38
